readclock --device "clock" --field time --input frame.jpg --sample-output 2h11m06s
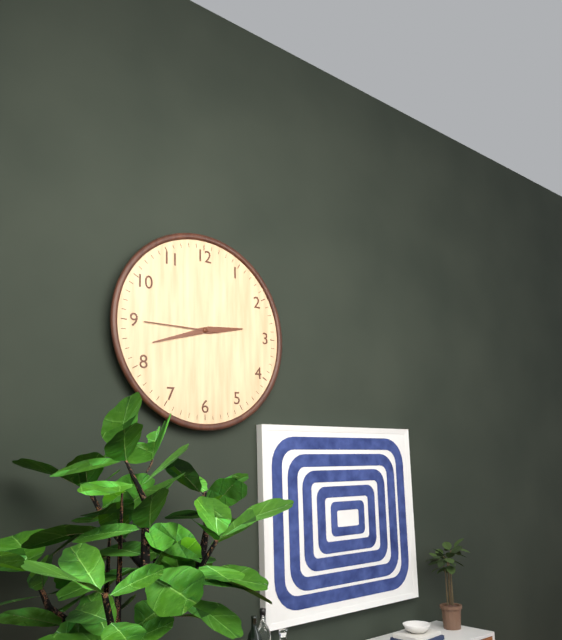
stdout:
2h42m45s
